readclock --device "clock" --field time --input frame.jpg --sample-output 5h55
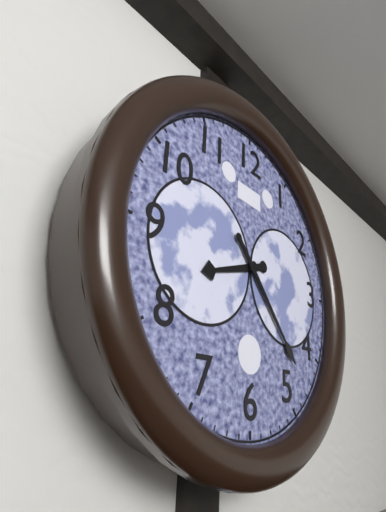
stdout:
8h23
